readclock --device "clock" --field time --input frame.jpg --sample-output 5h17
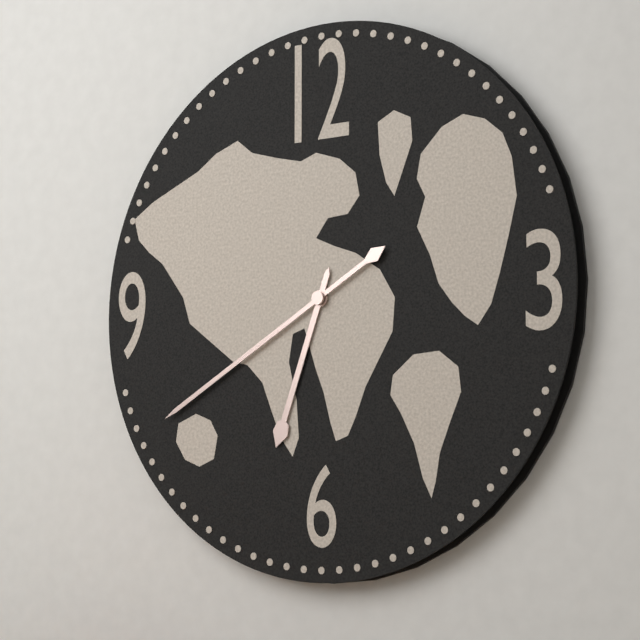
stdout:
6h40
